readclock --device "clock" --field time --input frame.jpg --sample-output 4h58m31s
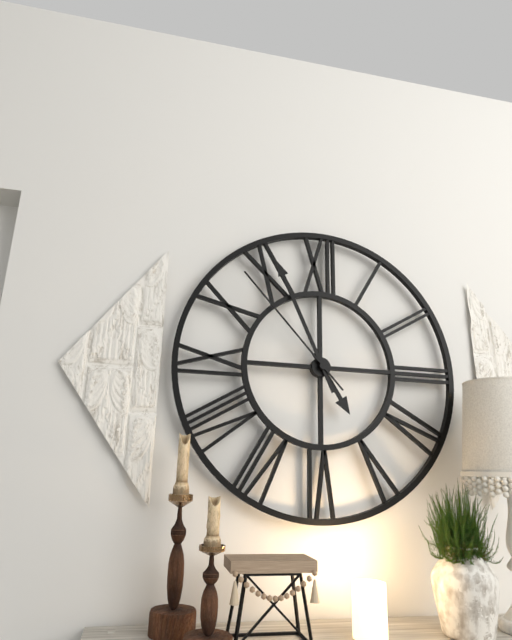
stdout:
4h56m53s
